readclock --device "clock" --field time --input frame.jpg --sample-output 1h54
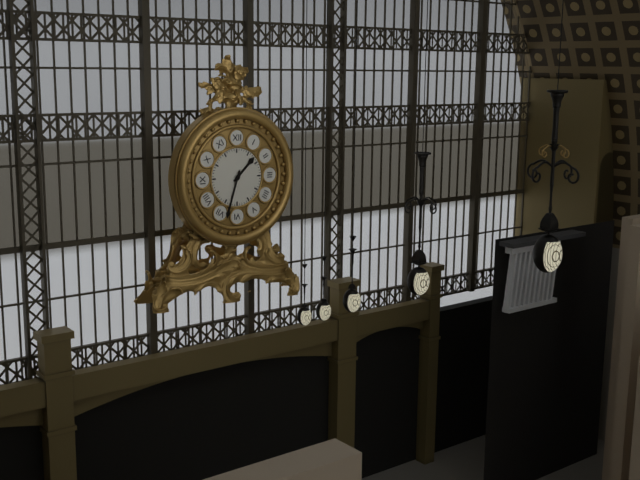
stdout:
1h33
